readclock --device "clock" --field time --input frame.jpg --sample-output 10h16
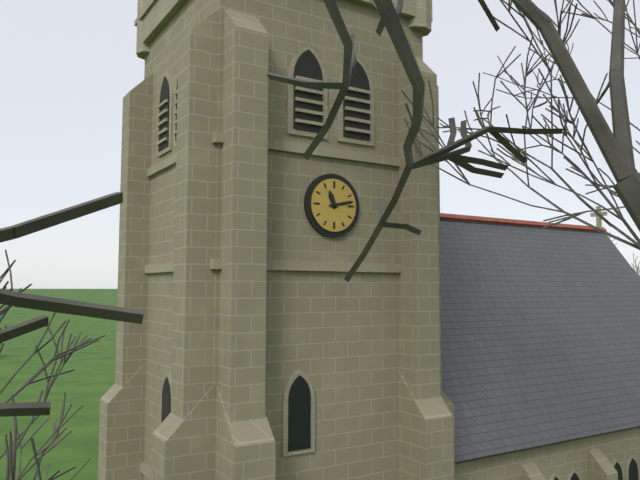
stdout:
11h13
